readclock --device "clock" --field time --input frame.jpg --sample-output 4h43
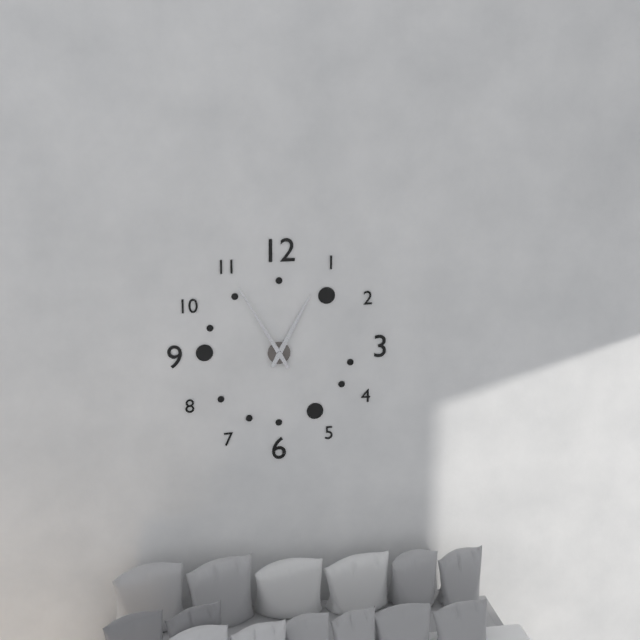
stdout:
12h55
